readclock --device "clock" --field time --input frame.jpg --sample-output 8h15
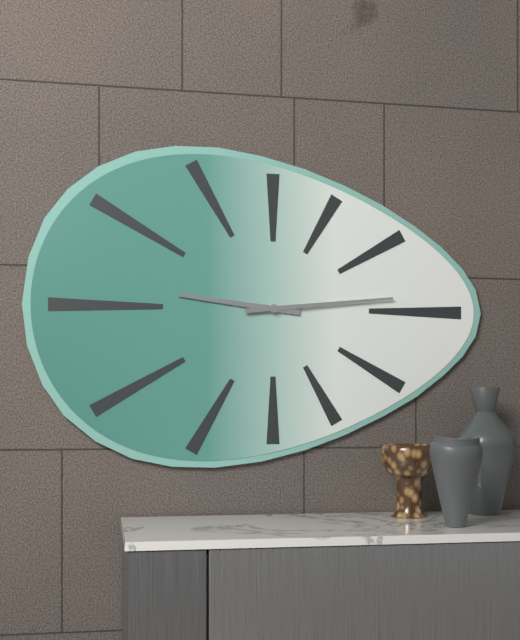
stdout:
9h14
